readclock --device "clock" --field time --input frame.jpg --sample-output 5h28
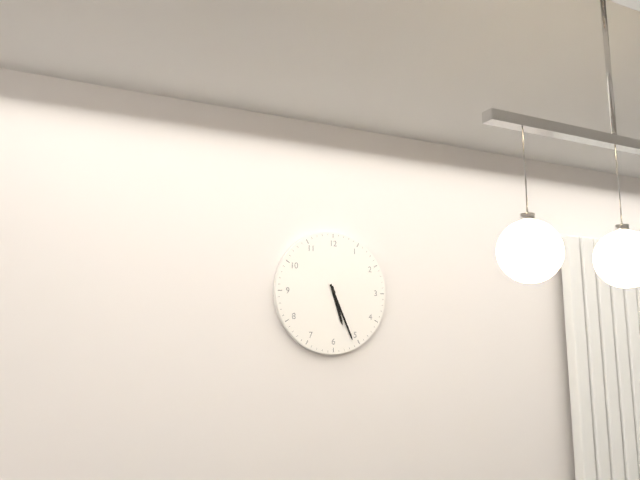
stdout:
5h26
